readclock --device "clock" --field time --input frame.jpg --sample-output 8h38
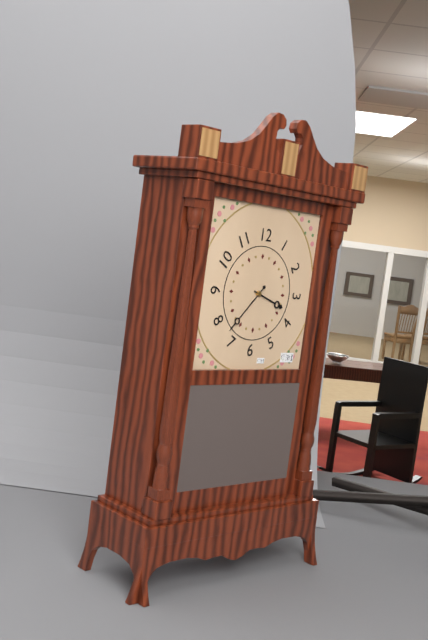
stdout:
3h37
